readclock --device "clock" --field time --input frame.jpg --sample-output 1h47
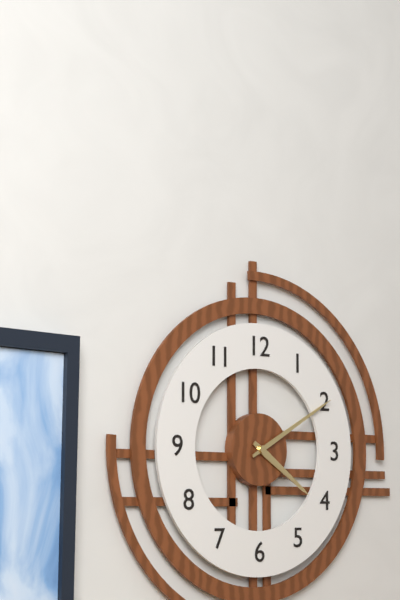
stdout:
4h10
